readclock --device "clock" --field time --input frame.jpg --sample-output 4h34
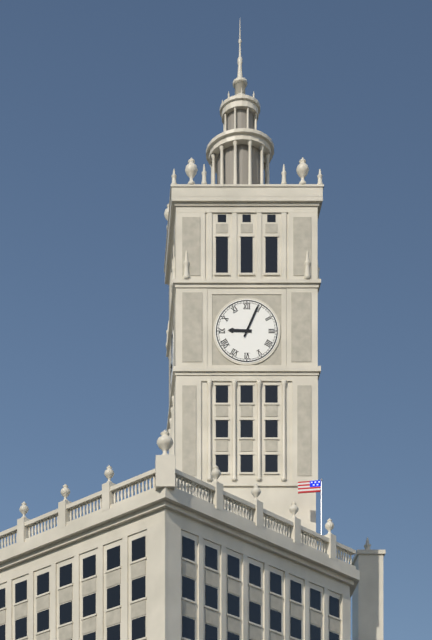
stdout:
9h04
